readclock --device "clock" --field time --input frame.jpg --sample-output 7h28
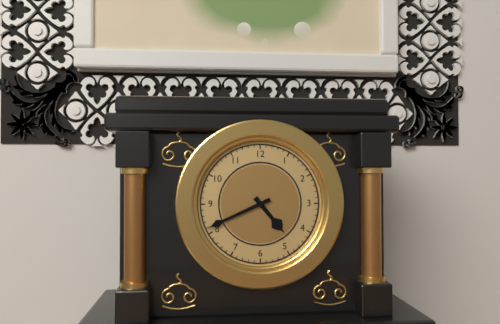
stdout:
4h41
